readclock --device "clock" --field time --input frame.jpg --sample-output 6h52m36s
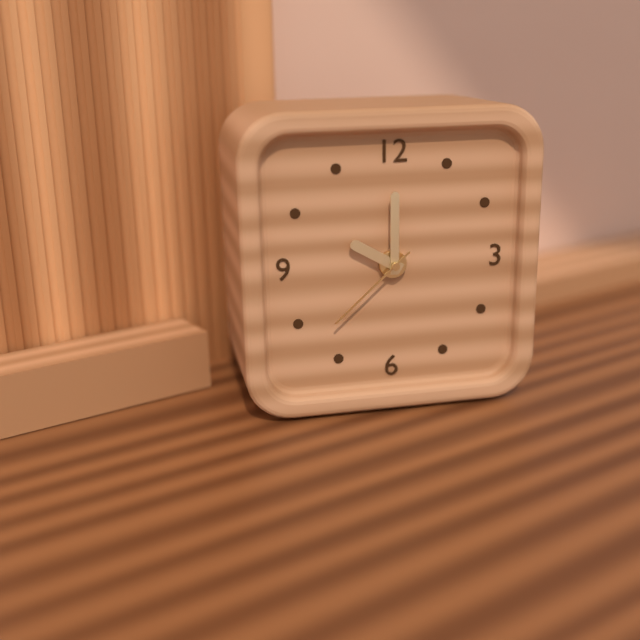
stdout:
10h00m38s
